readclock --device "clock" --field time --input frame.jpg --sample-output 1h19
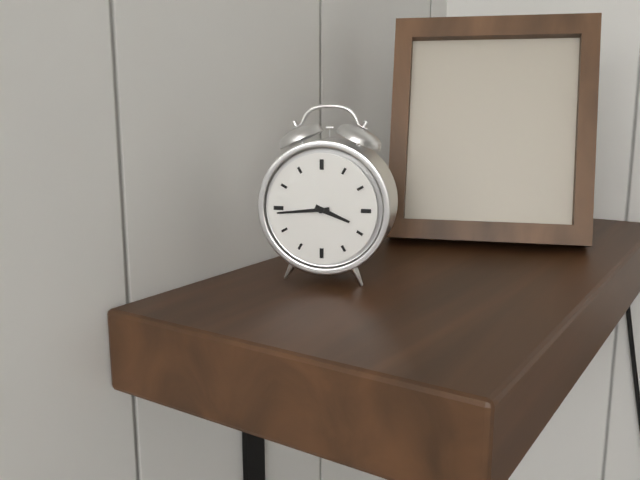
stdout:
3h44
